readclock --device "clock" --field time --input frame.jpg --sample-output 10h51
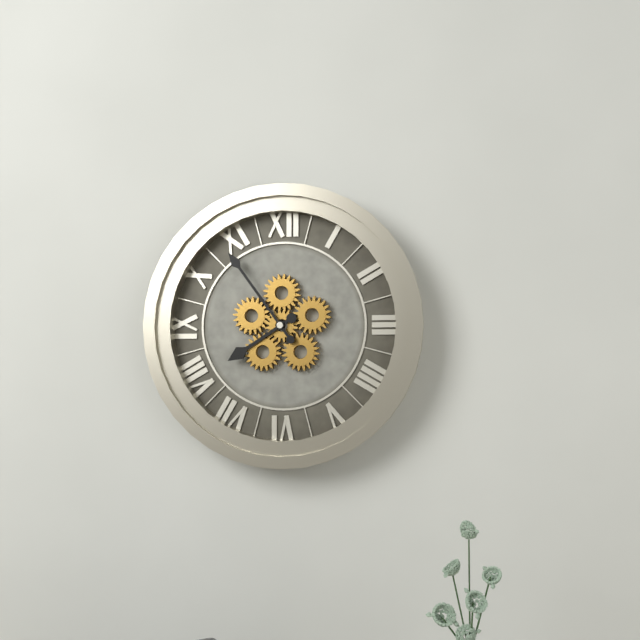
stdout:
7h54
